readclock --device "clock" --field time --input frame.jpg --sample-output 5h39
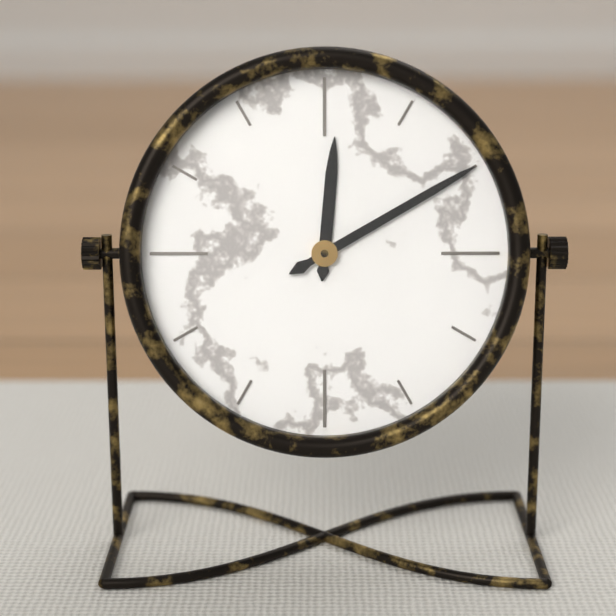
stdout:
12h10
